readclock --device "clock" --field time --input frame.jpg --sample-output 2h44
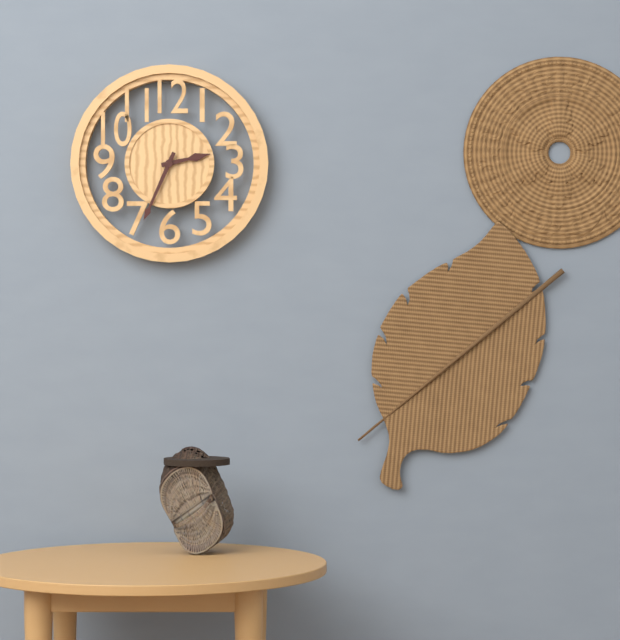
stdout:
2h34
